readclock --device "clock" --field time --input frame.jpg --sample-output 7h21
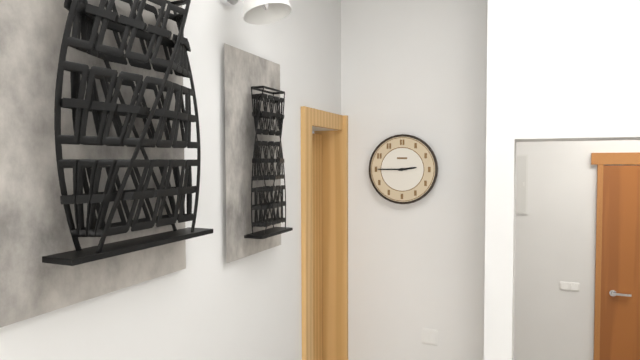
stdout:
2h45
